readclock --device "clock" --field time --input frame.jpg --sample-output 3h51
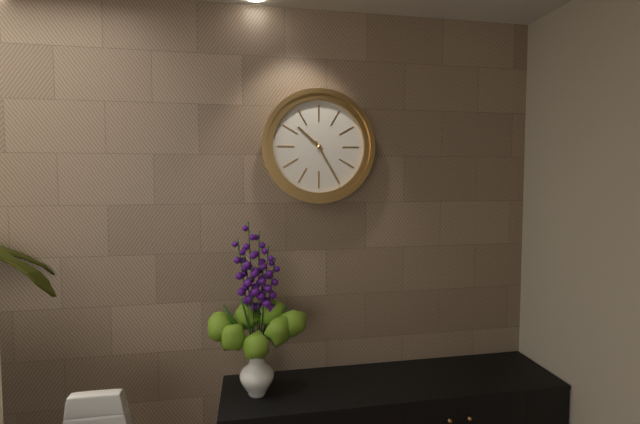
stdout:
10h25
